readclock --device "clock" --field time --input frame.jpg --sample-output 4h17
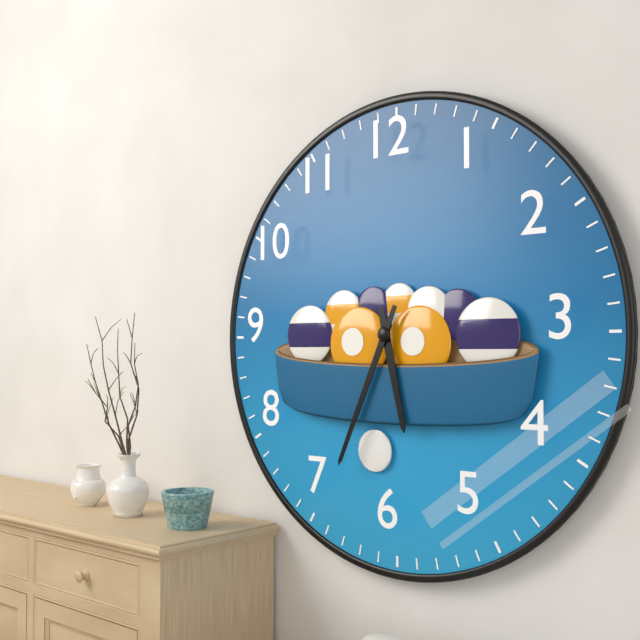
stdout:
5h34
